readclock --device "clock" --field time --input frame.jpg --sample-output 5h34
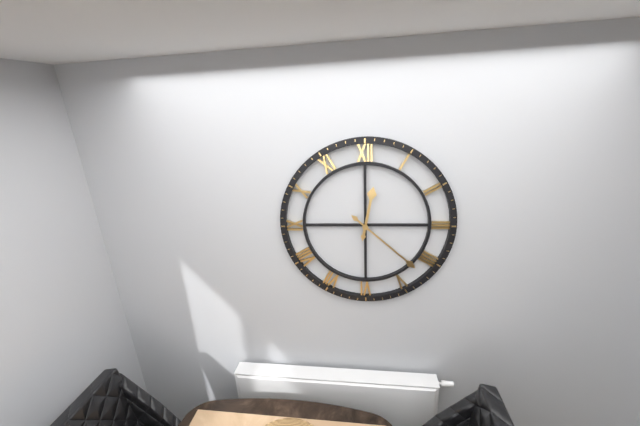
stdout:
12h22
